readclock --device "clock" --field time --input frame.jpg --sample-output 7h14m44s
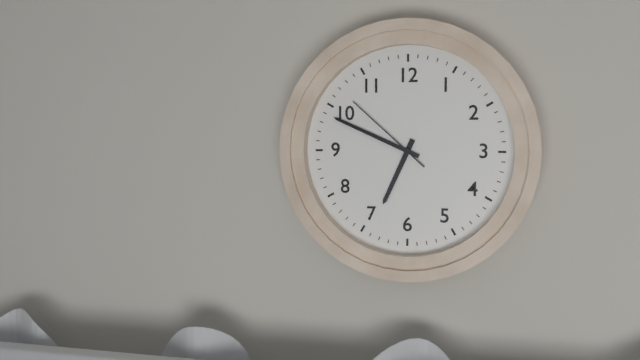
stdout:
6h49m52s
